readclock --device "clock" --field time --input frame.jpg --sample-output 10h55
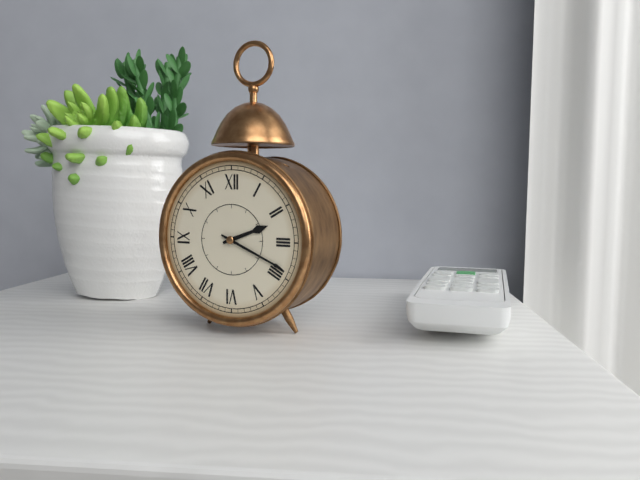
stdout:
2h19
